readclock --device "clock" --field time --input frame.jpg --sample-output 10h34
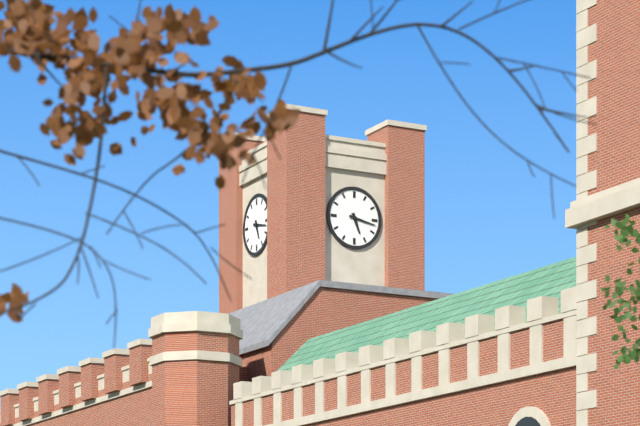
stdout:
5h17
